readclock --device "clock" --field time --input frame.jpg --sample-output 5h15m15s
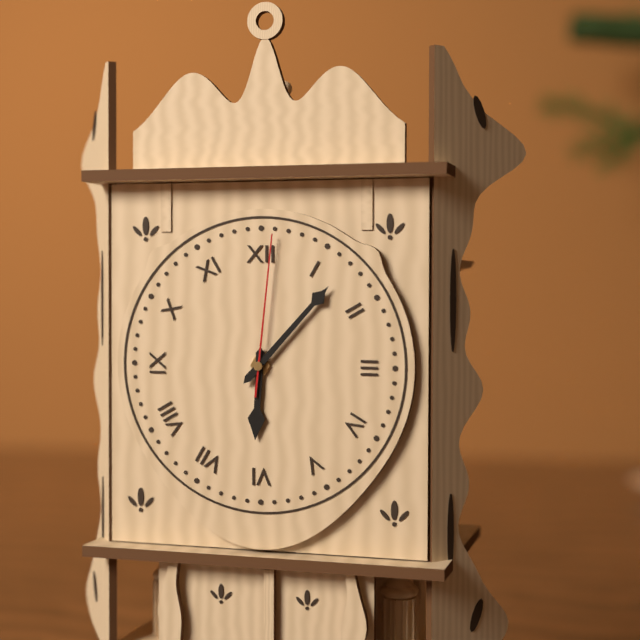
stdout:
6h07m01s
